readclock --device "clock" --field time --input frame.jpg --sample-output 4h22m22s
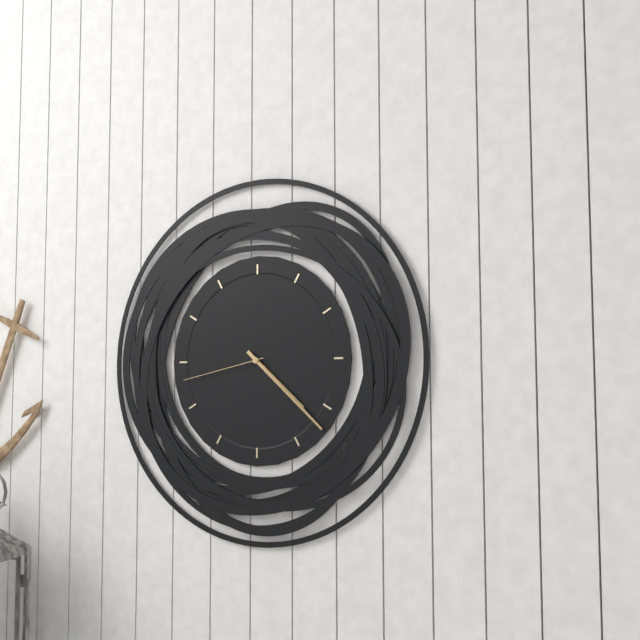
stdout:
4h22m43s
